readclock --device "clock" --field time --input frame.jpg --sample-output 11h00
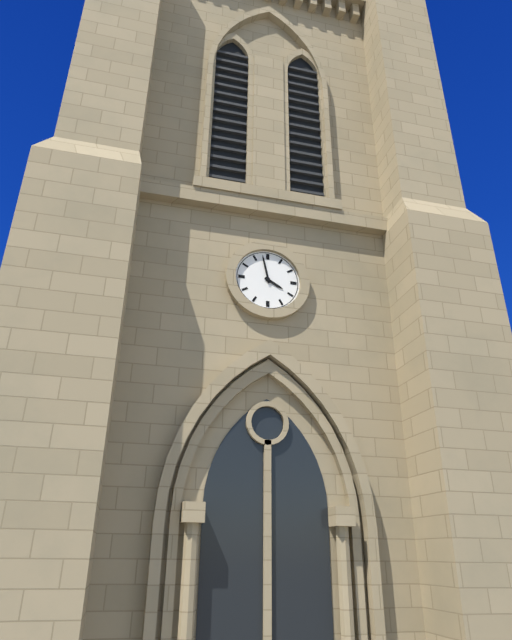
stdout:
3h58
